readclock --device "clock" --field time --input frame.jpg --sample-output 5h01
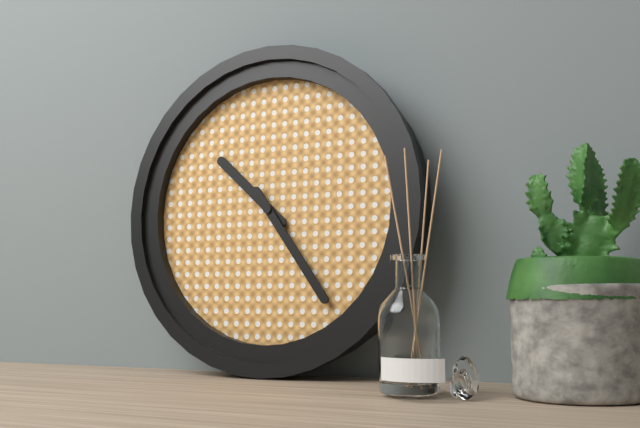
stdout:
10h24
